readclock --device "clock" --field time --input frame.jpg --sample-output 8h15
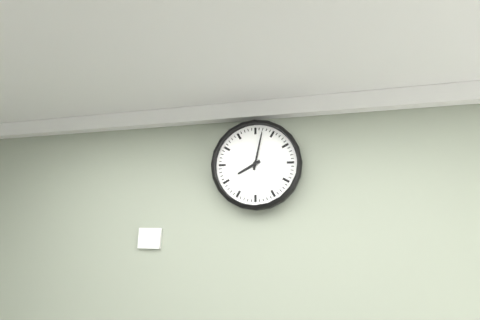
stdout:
8h02
